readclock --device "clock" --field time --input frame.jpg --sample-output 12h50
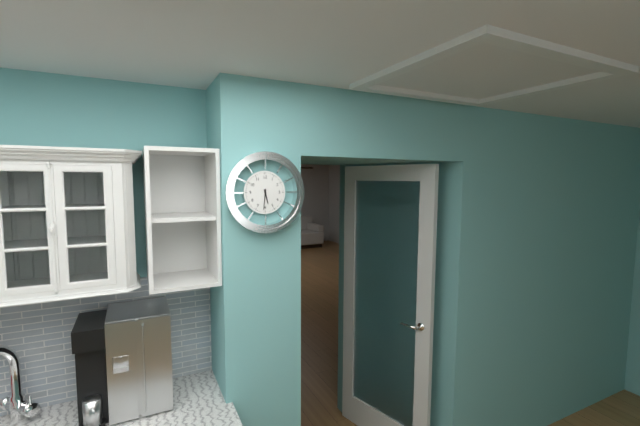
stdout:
5h31
